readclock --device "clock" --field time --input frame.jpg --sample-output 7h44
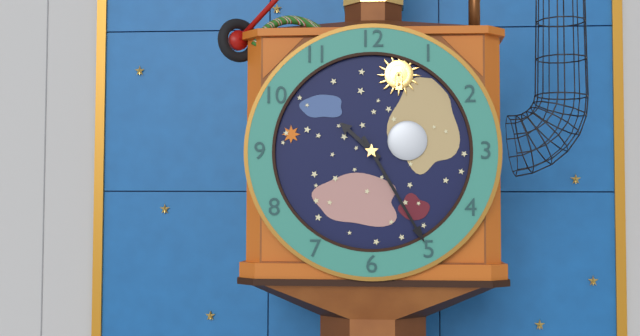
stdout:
10h25
